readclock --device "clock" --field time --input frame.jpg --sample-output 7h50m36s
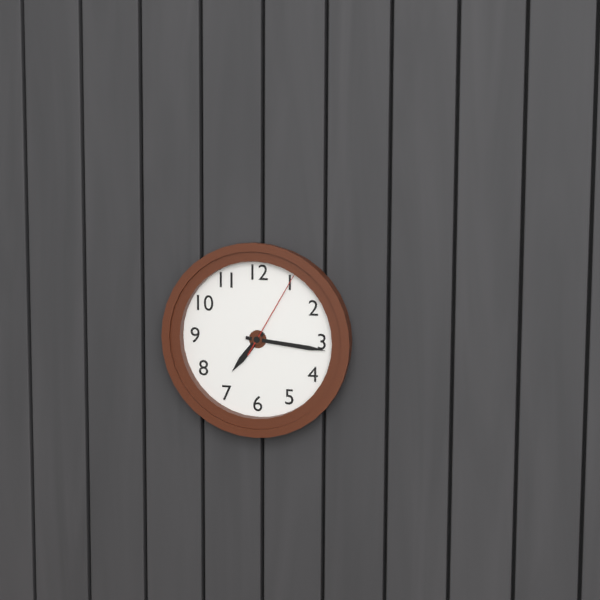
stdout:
7h16m05s
